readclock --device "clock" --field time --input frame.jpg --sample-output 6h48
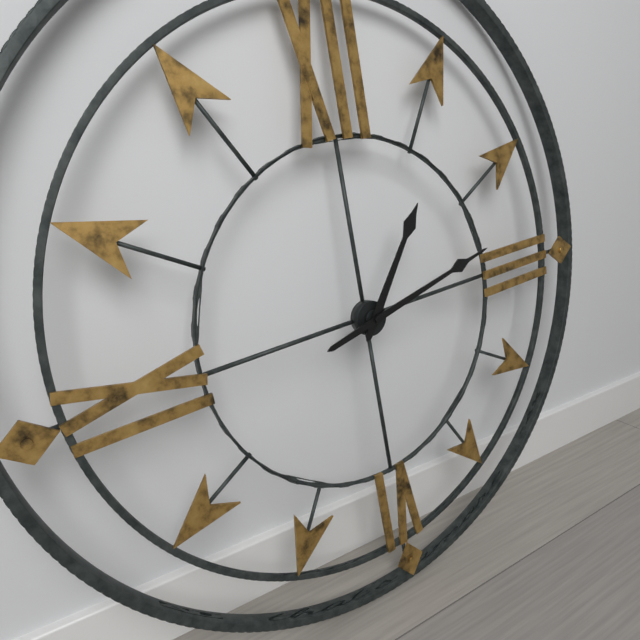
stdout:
1h13
